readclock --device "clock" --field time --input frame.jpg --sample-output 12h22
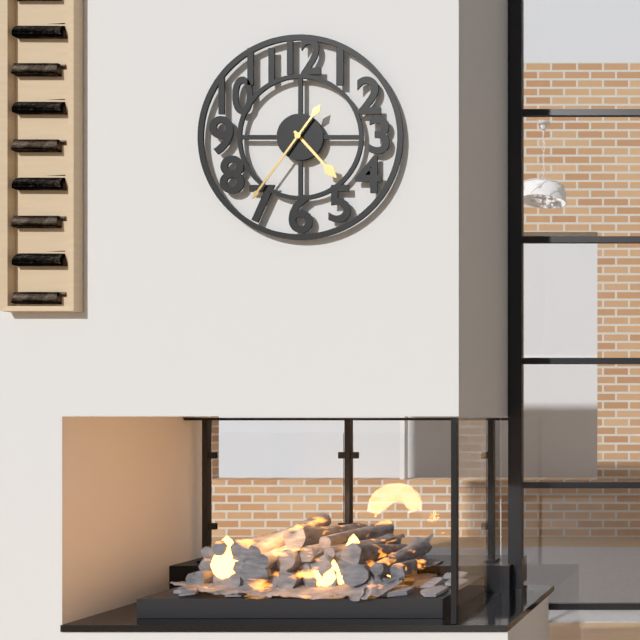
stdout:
4h36
